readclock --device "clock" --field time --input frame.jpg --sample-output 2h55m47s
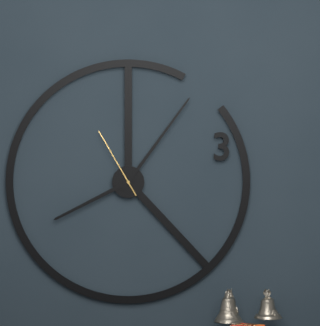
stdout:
8h06m55s
